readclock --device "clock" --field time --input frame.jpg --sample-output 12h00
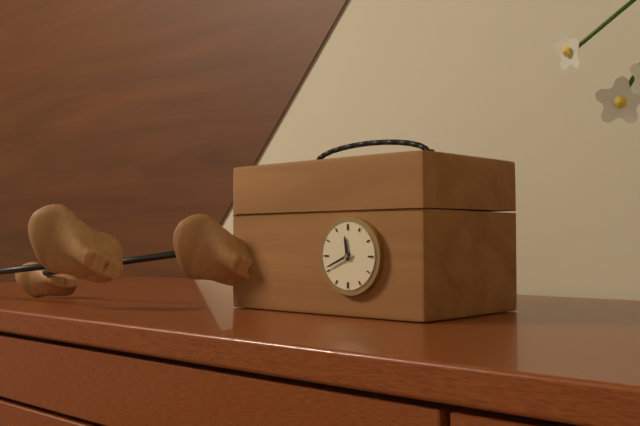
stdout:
11h41
